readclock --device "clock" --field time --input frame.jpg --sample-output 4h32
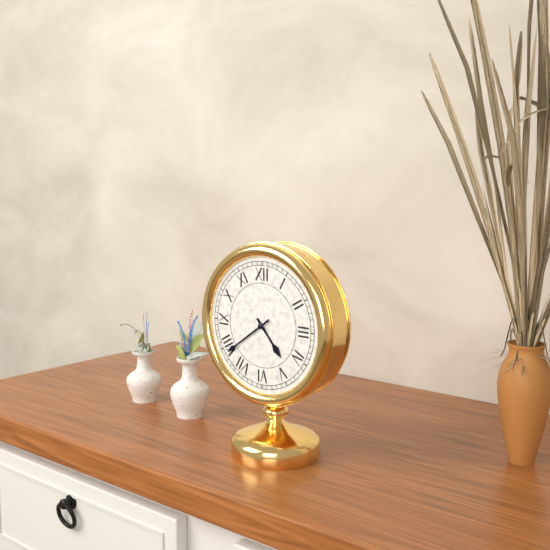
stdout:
4h39
